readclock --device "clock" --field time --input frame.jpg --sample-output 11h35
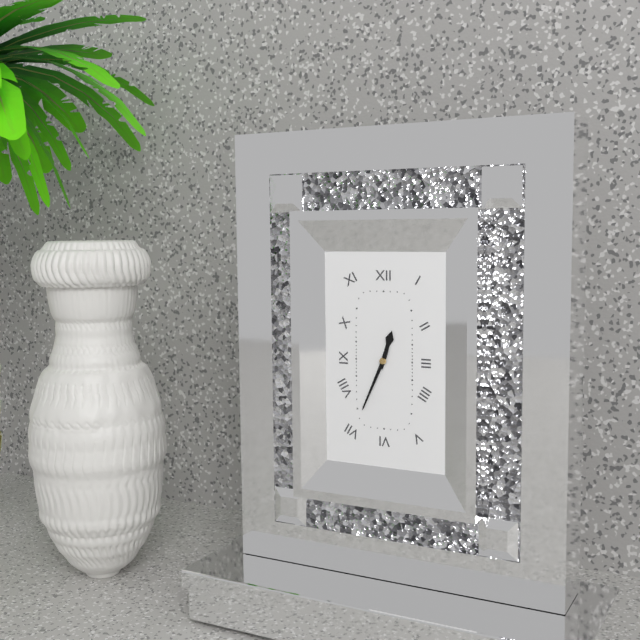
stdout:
12h34
